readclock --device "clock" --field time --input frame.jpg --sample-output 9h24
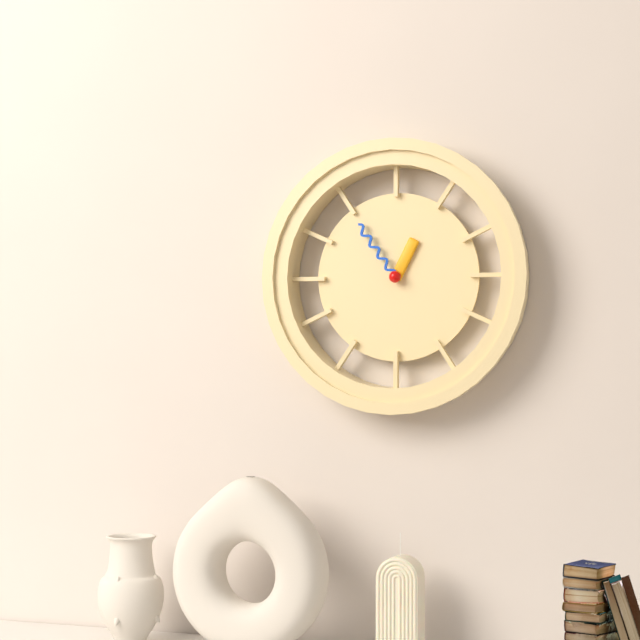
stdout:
12h54
